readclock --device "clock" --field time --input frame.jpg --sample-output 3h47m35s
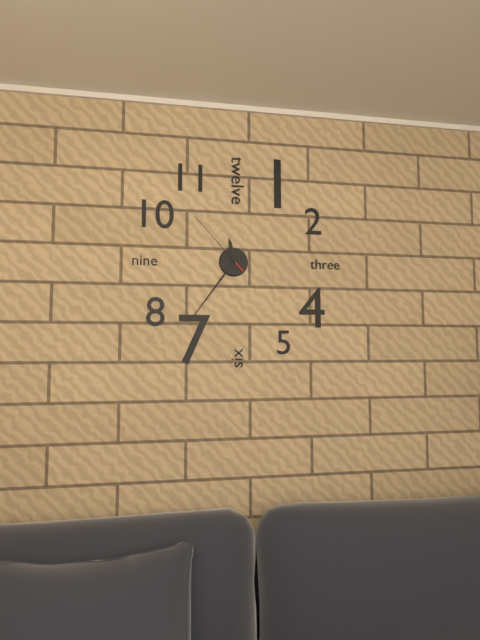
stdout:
11h36m53s
